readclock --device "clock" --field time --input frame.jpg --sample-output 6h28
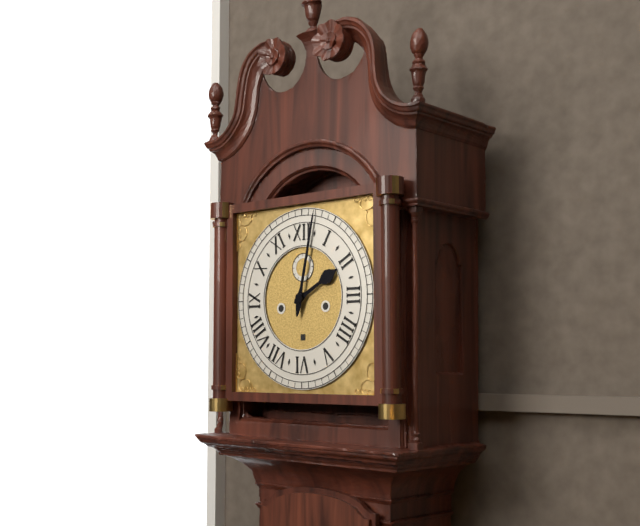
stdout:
2h02
